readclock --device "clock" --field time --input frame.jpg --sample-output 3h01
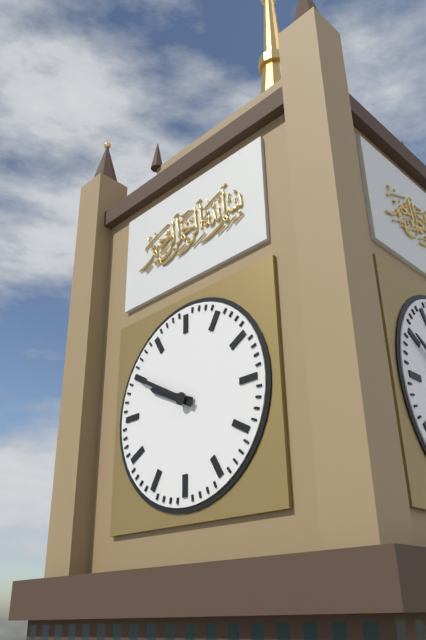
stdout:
9h50
